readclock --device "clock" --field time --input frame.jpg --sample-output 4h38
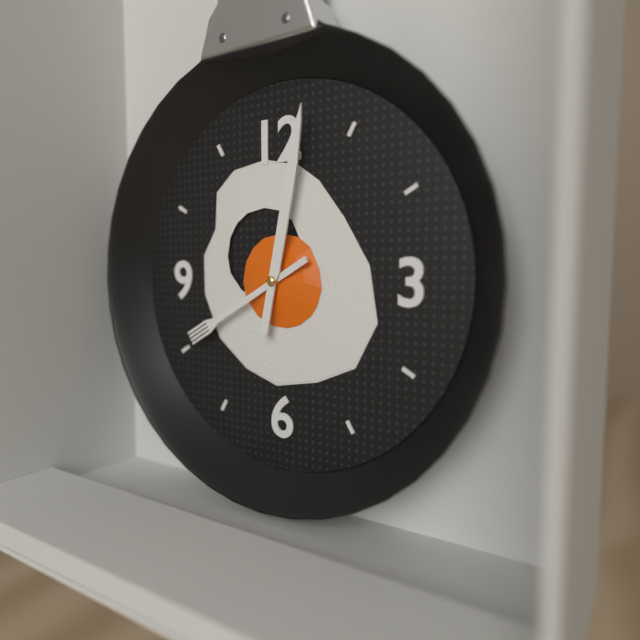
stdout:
8h02
